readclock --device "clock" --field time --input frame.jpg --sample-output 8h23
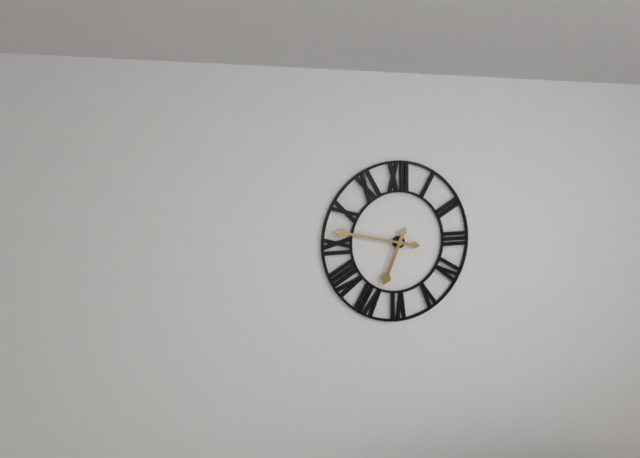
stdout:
6h47
